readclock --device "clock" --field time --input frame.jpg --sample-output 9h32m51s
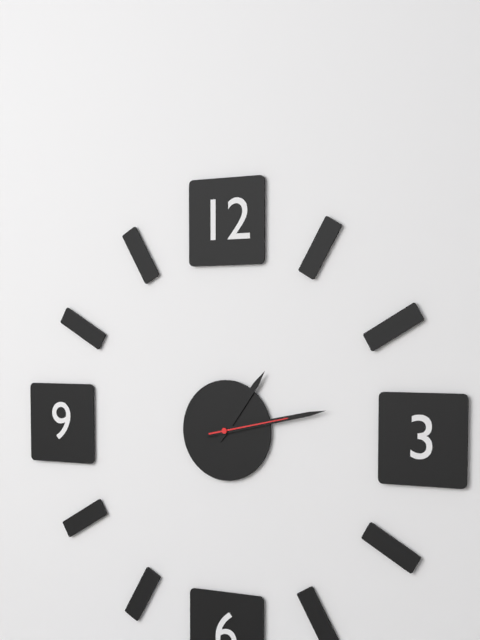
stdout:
1h13m13s
